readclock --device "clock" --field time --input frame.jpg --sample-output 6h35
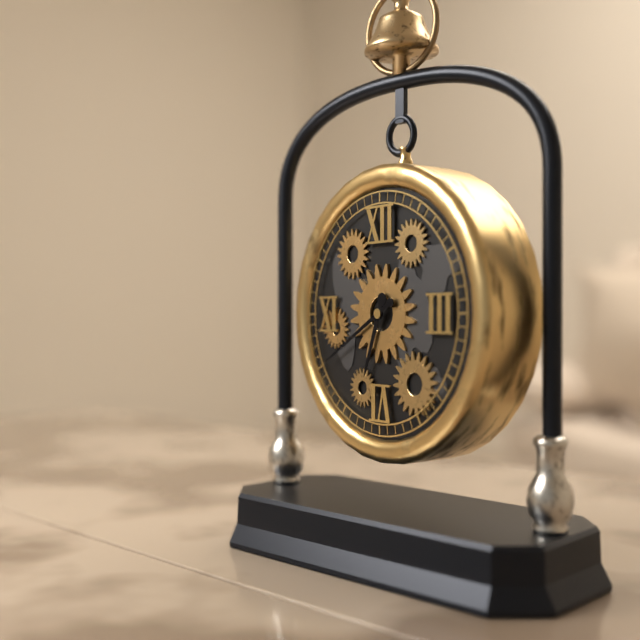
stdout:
6h40
